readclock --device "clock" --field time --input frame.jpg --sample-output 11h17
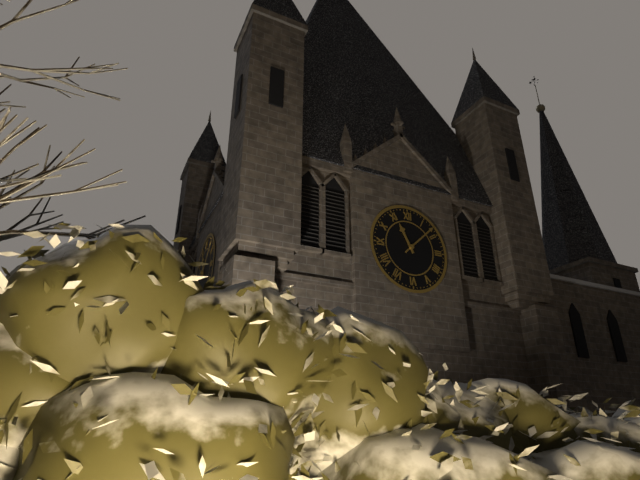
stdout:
11h08
